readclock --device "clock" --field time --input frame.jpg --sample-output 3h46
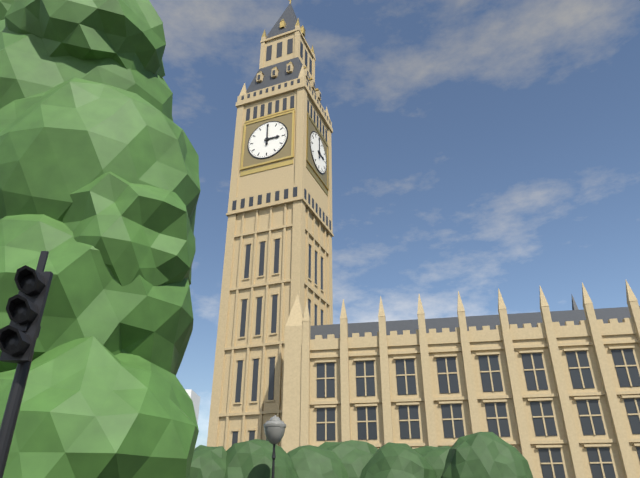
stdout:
3h00
